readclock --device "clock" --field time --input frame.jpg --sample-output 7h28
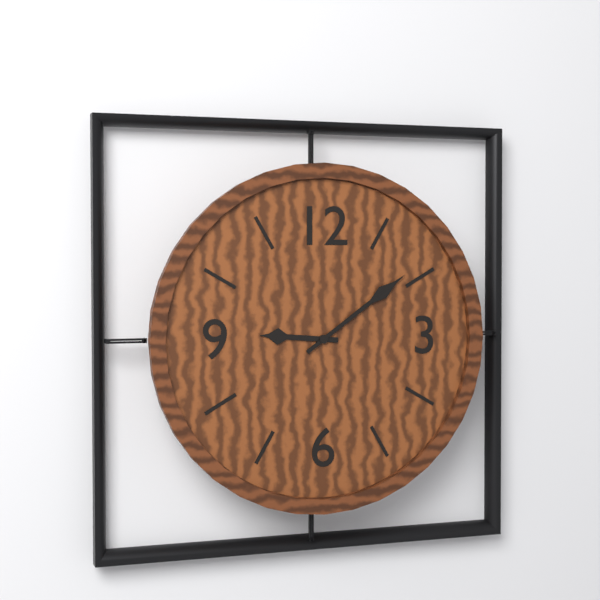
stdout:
9h09
